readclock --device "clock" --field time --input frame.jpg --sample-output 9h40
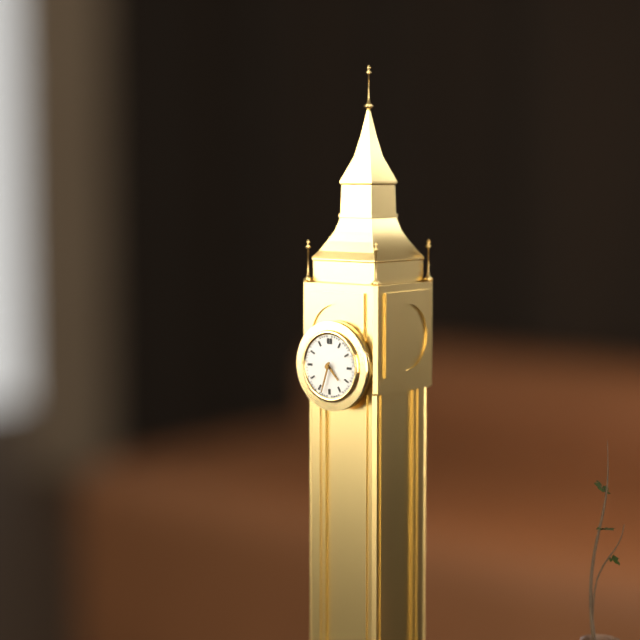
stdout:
4h33
